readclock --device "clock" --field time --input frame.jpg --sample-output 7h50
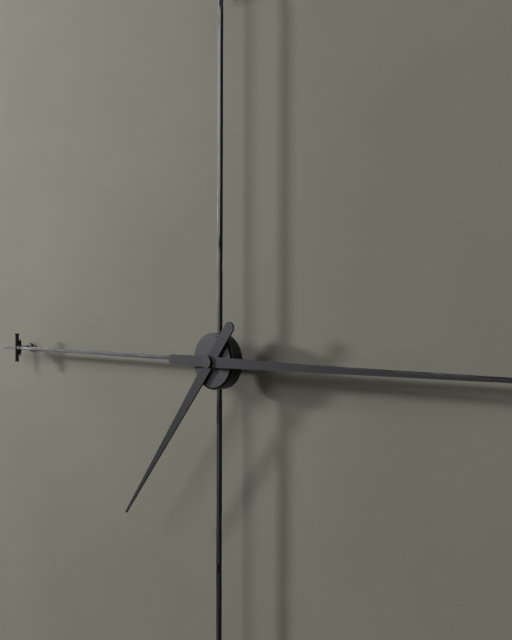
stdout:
7h15
